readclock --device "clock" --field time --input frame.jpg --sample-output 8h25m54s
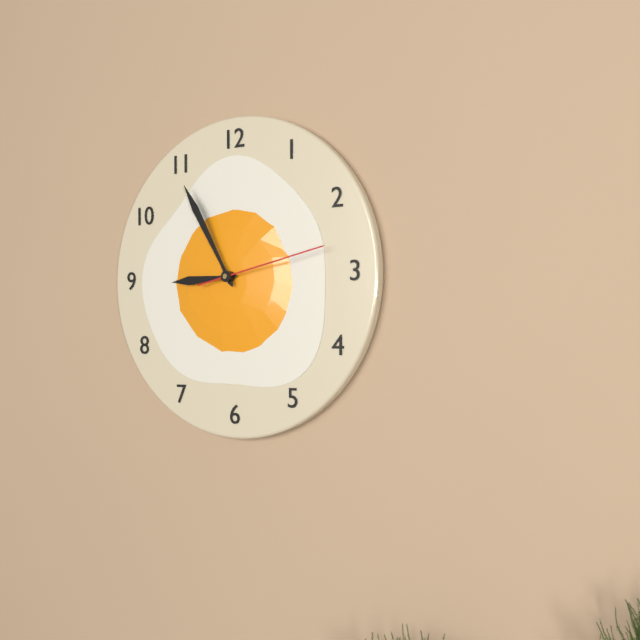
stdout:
8h55m13s
